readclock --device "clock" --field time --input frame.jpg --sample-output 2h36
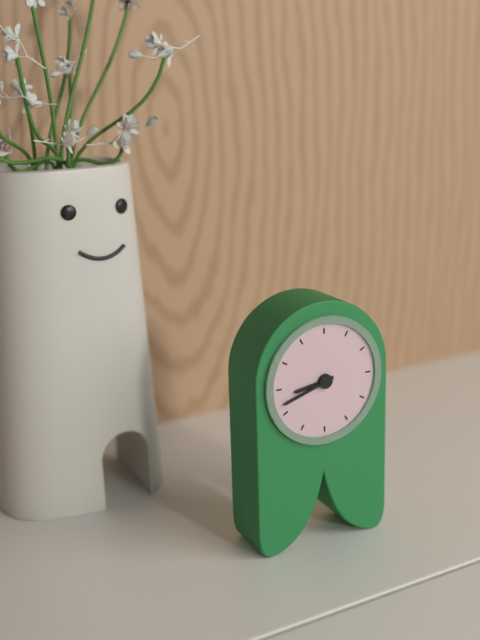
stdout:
8h42
